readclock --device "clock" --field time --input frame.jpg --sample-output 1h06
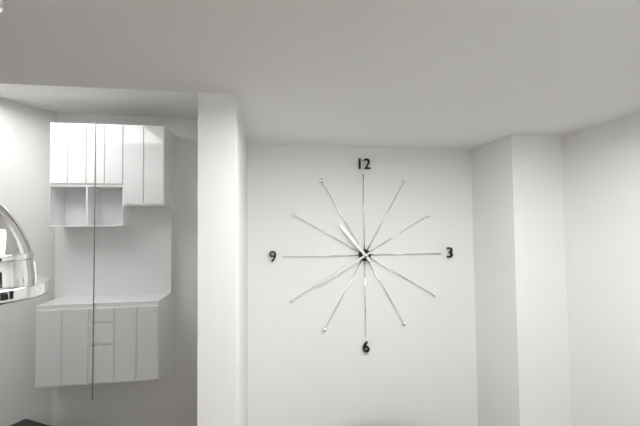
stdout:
10h40
